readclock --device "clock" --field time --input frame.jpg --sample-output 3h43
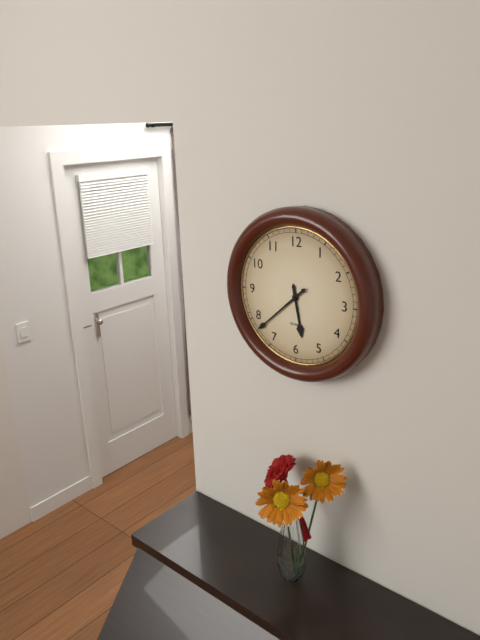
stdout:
5h38
